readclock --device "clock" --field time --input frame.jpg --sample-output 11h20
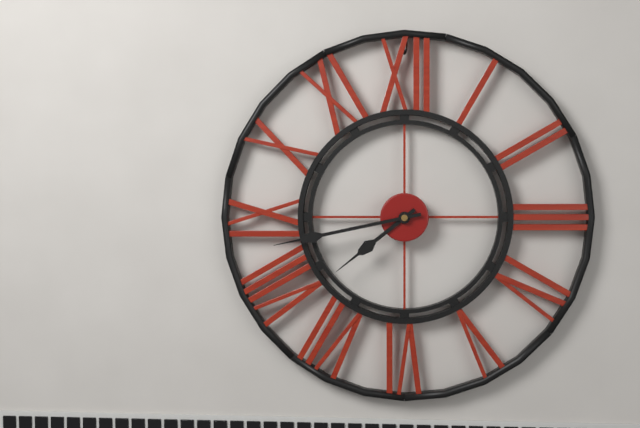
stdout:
7h43
